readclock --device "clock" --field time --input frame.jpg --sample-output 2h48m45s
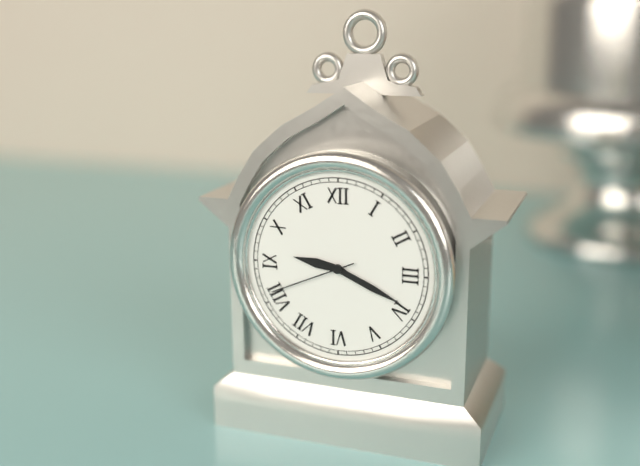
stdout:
9h19m41s
